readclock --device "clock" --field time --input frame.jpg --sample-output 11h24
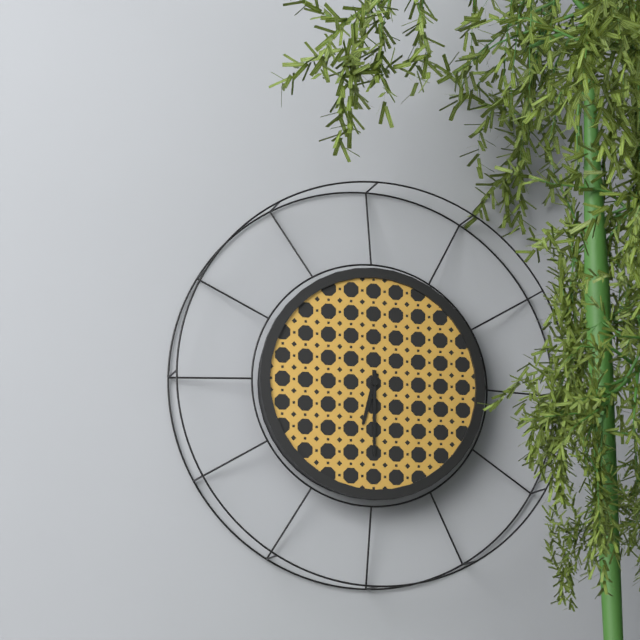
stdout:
6h30
